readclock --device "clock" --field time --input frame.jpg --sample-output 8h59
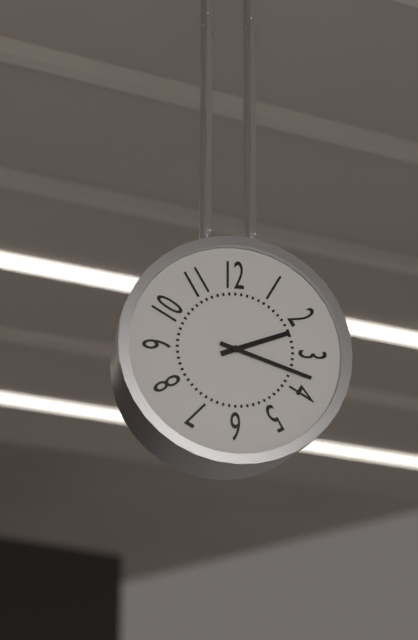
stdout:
2h18
